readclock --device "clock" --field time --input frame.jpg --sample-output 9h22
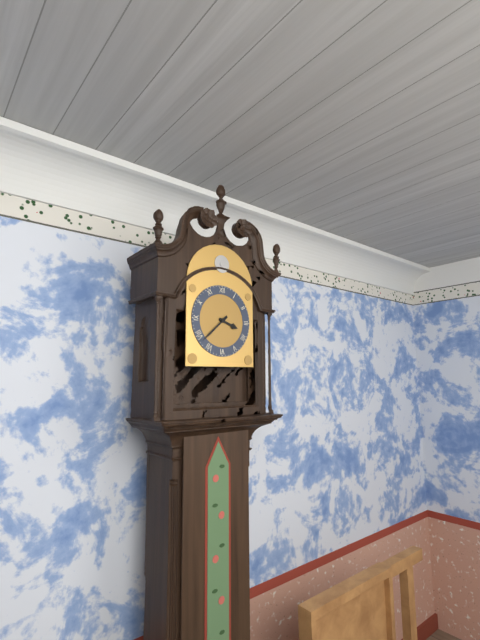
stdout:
3h38
